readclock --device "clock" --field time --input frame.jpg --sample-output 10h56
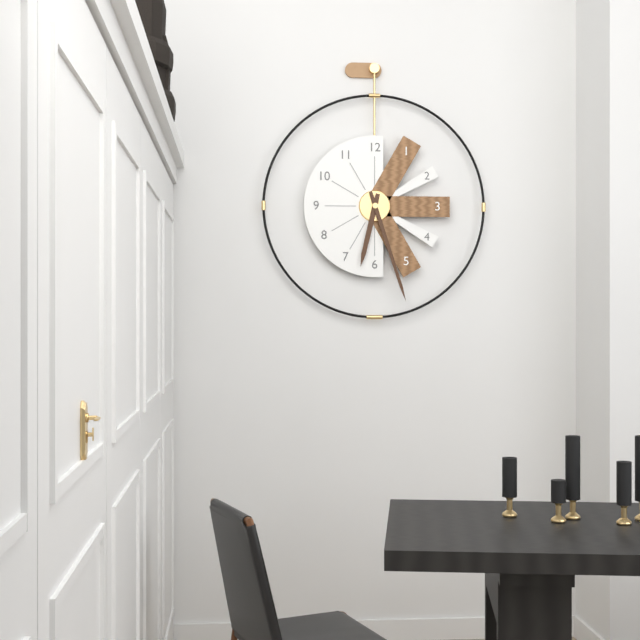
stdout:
6h27
